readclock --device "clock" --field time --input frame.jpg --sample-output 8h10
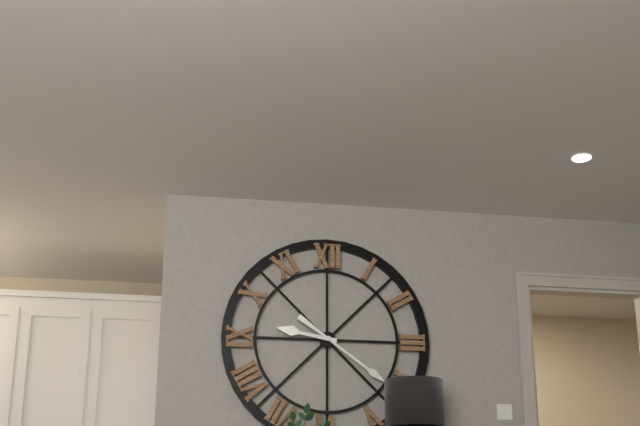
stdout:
9h21
